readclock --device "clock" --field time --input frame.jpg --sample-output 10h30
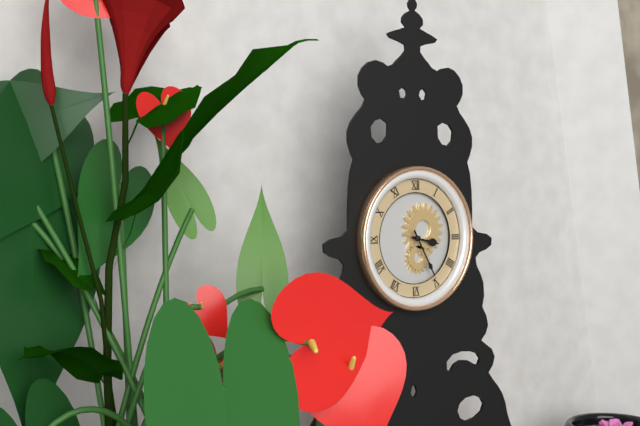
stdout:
3h25
